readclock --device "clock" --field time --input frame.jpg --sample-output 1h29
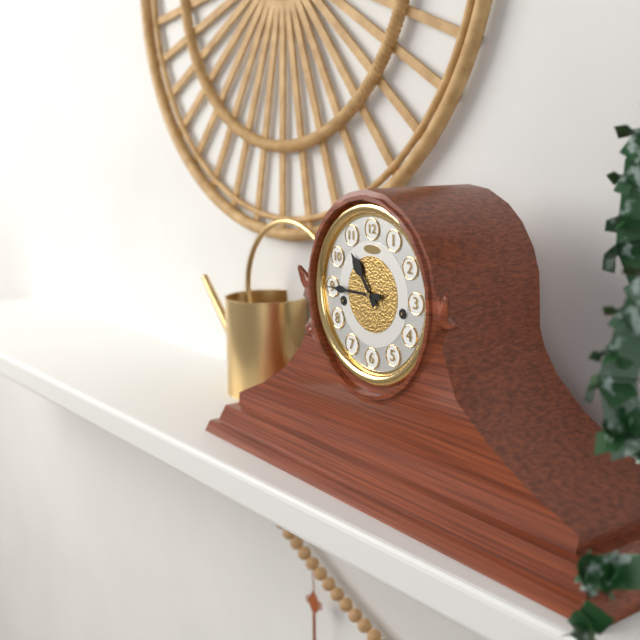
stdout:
10h45
